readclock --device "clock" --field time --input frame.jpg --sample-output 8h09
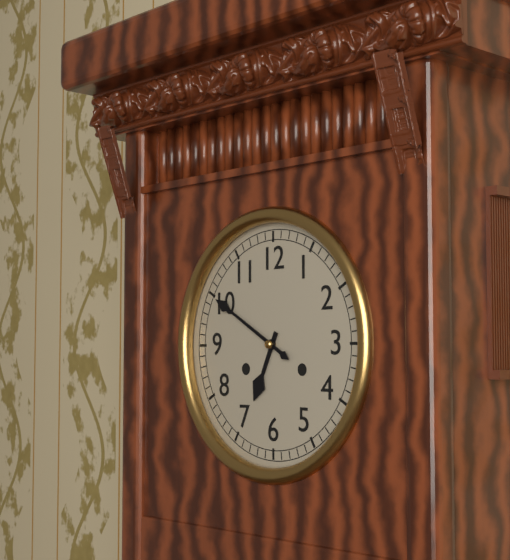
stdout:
6h50
